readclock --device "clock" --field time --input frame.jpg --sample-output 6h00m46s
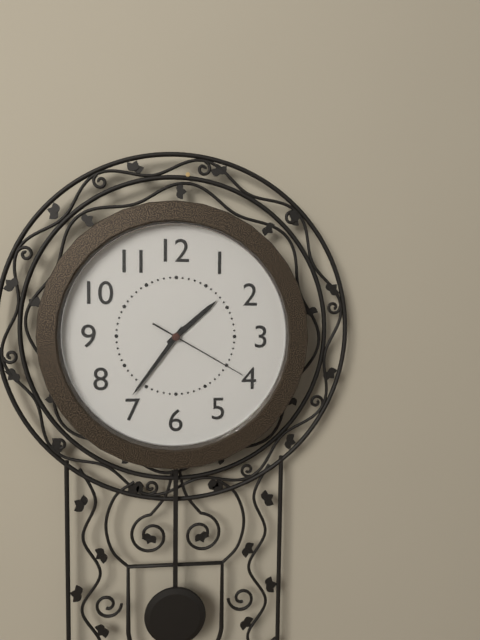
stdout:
1h36m20s
